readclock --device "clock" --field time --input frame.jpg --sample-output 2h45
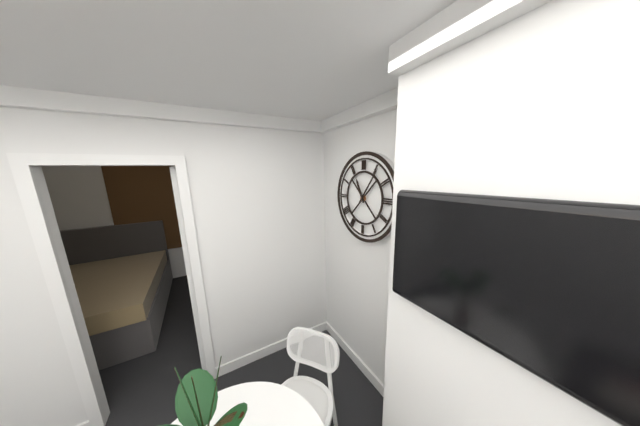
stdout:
11h06
